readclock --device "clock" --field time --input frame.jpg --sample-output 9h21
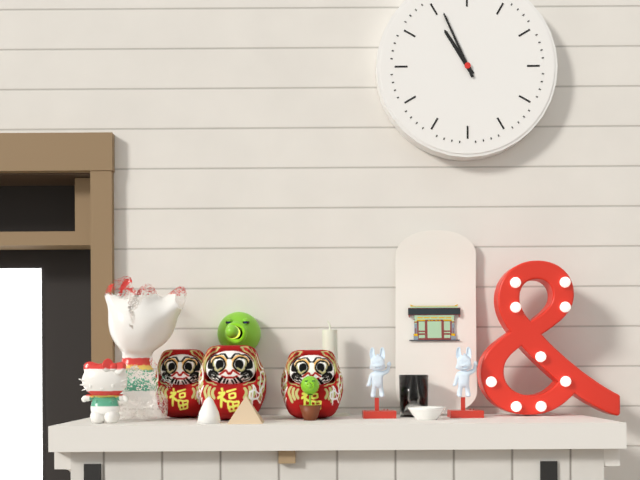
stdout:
10h56
